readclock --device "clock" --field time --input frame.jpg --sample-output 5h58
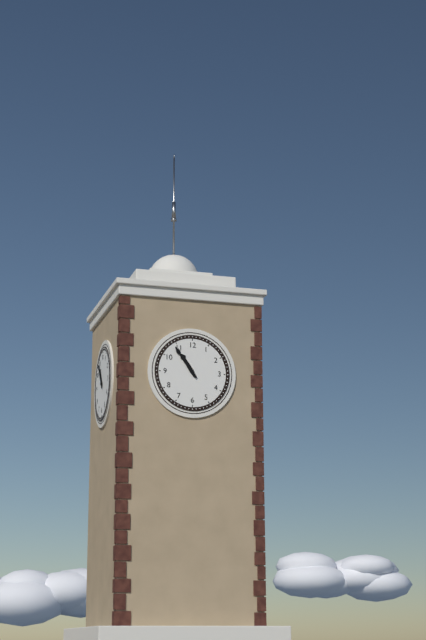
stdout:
10h54
